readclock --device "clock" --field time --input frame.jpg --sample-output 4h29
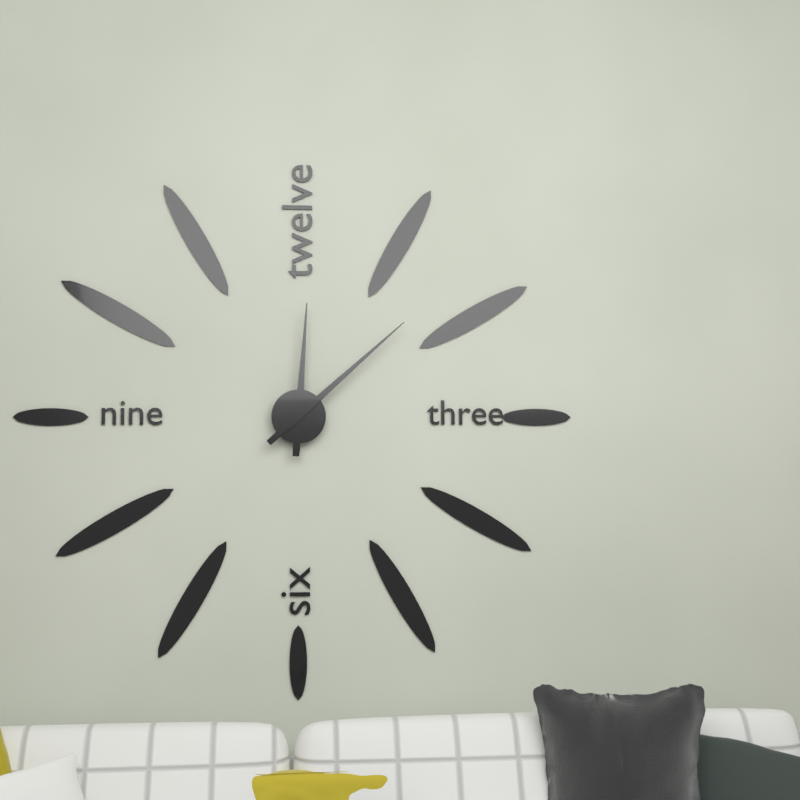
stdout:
12h08
